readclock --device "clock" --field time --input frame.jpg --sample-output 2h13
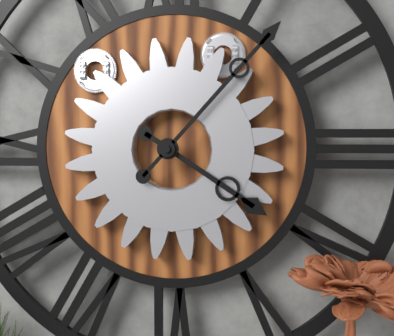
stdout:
4h07
